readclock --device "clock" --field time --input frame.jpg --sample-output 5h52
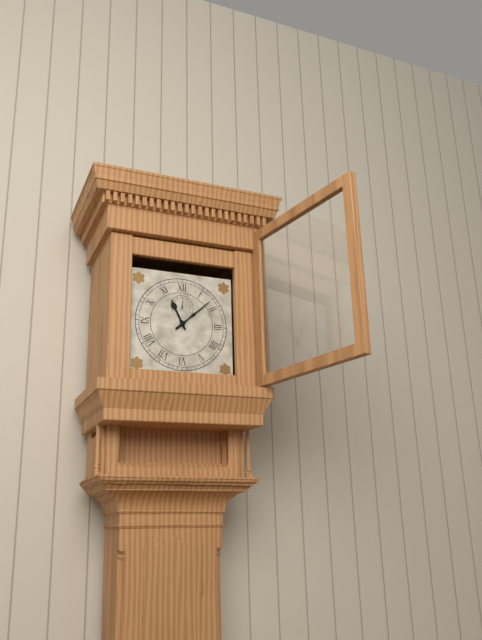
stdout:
11h08
